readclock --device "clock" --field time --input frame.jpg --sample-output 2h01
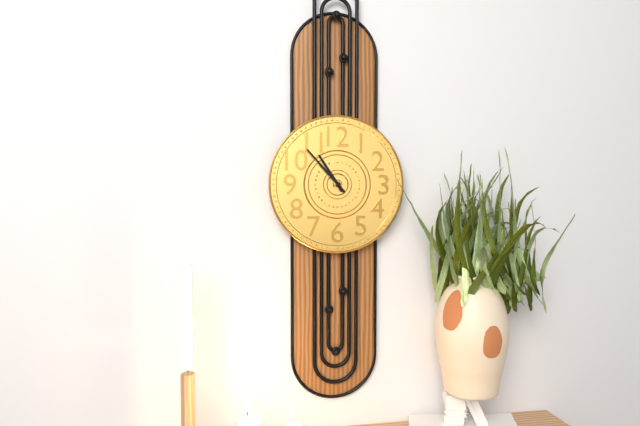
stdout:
10h53
